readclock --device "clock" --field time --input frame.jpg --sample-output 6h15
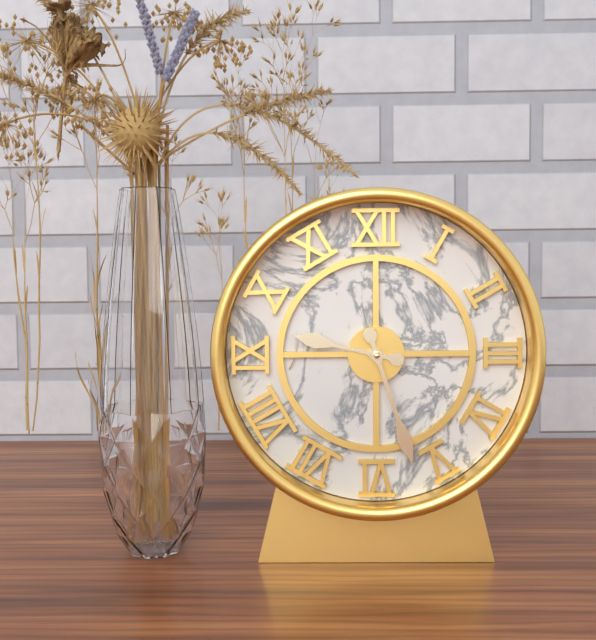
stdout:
9h27
